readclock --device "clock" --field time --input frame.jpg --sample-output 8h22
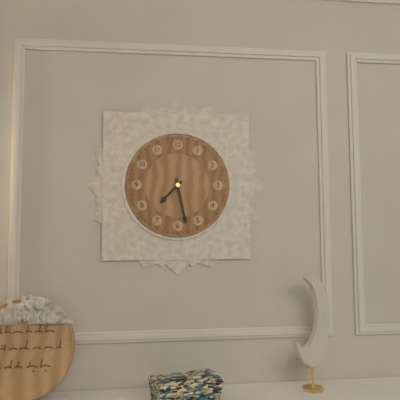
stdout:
7h28
